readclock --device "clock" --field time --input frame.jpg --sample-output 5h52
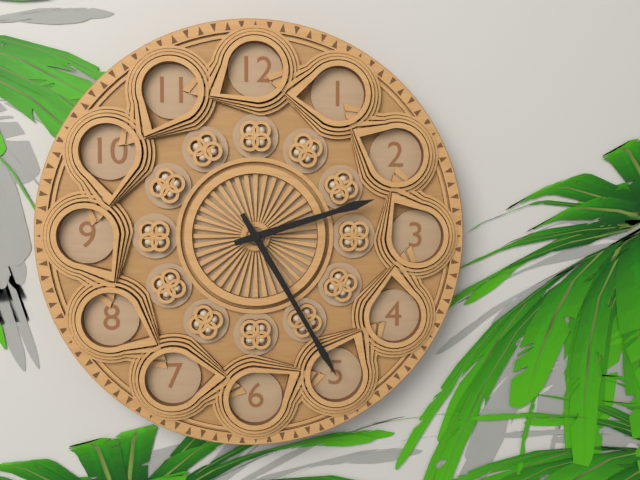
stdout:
2h25
